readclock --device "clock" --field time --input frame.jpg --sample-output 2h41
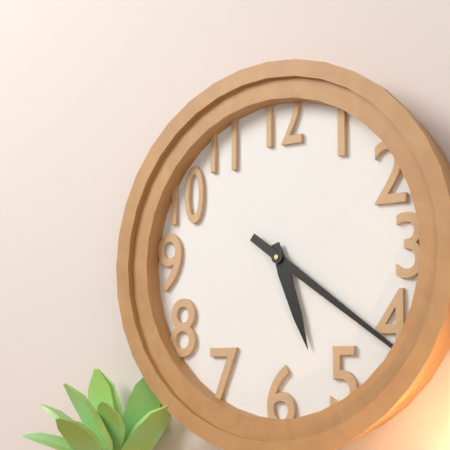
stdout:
5h21
